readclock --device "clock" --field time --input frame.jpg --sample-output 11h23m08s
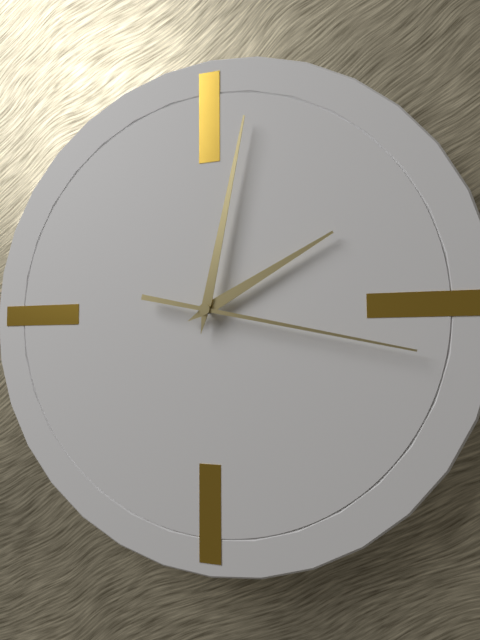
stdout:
2h02m17s
